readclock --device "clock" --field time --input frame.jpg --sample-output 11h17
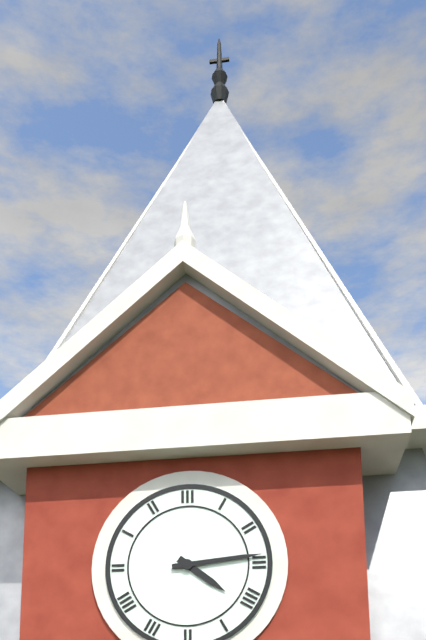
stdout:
4h14
